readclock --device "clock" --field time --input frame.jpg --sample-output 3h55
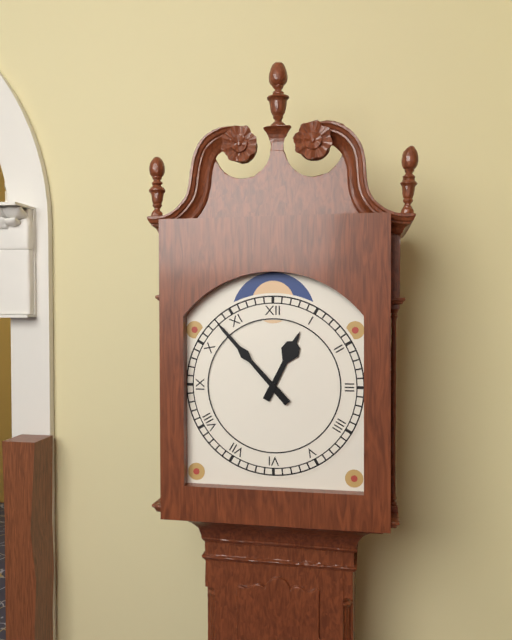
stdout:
12h53
